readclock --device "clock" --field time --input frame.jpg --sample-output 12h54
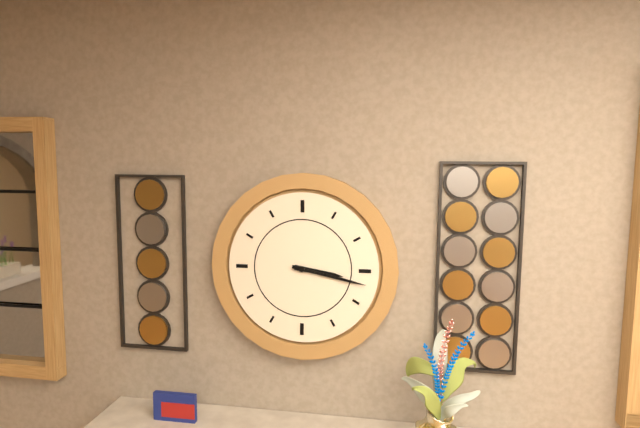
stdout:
3h17
